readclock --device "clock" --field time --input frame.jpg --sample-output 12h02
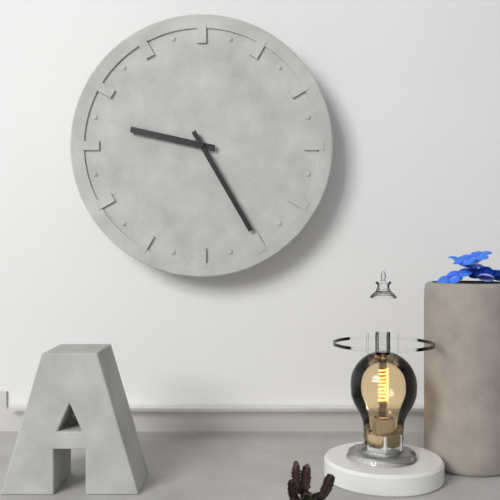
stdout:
9h25
